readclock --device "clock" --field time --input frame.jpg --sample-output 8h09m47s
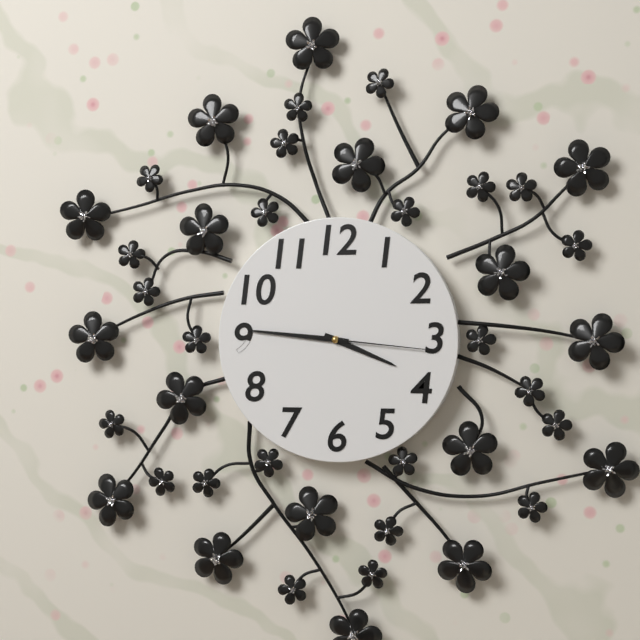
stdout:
3h46m16s
